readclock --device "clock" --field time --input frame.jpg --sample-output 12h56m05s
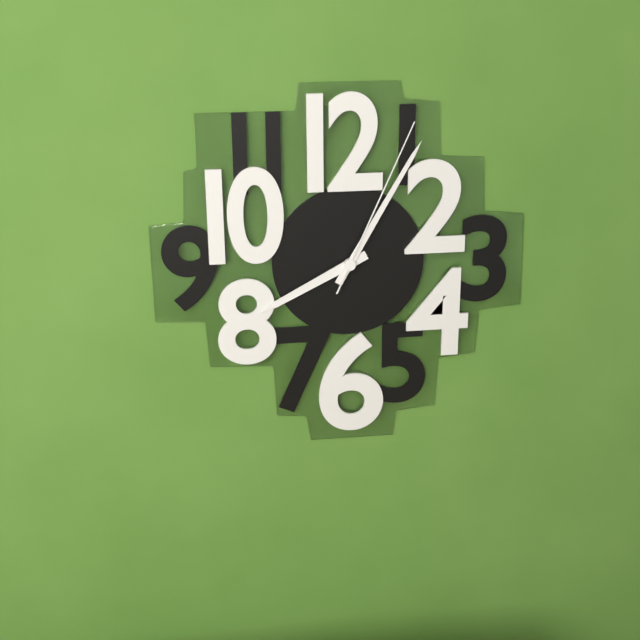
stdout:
8h05m04s
